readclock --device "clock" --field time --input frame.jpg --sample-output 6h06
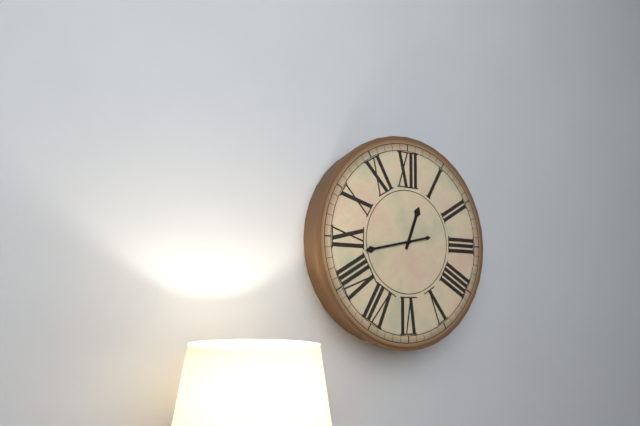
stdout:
12h43
